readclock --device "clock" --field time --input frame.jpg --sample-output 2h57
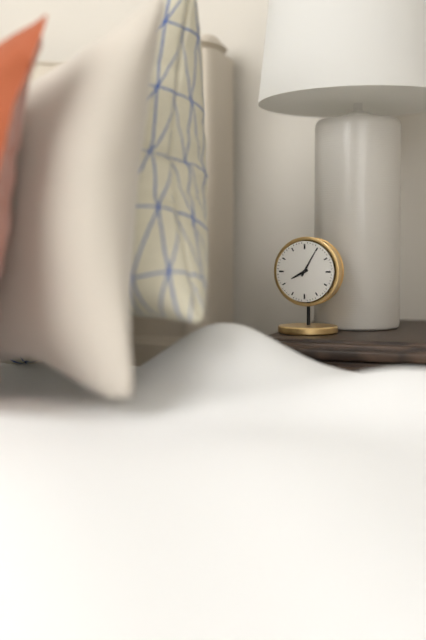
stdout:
8h05
